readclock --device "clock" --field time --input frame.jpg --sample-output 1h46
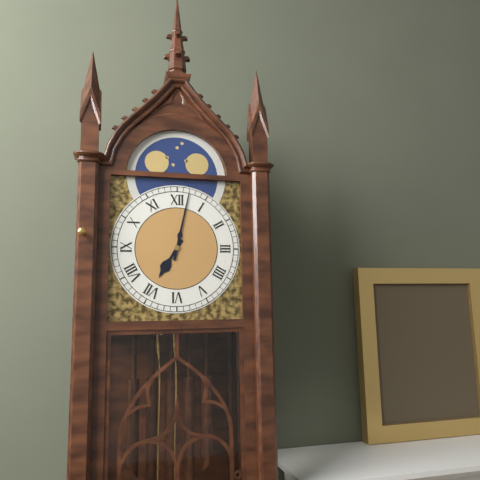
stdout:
7h02
